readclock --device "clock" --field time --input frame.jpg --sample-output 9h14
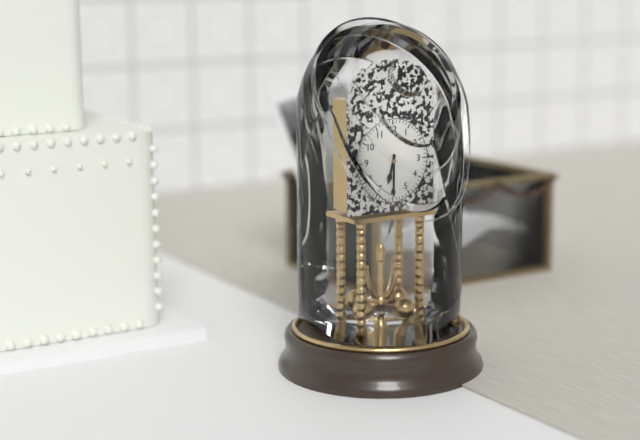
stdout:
6h30
